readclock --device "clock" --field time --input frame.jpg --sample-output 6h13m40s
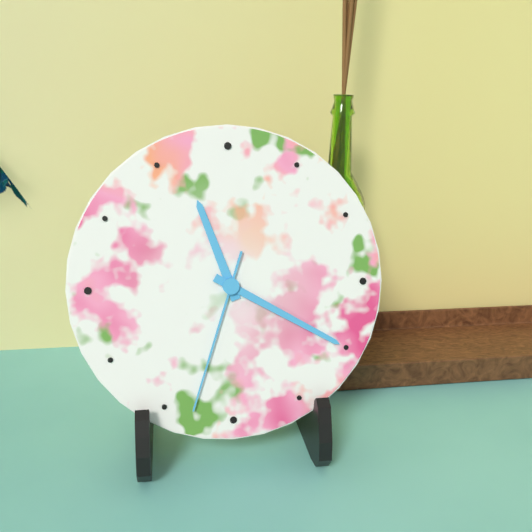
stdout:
11h20m33s
